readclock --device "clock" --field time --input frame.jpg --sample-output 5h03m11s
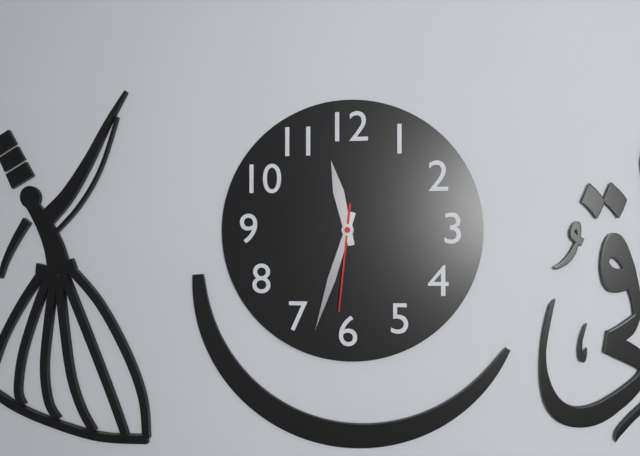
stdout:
11h33m31s
